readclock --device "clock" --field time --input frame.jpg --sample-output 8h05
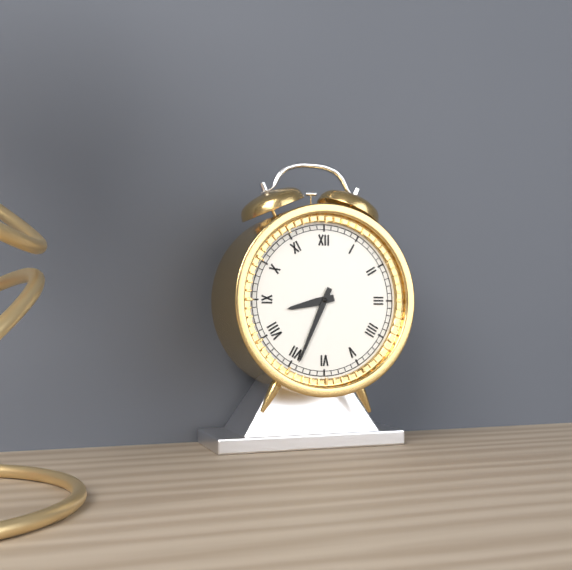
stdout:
8h34
